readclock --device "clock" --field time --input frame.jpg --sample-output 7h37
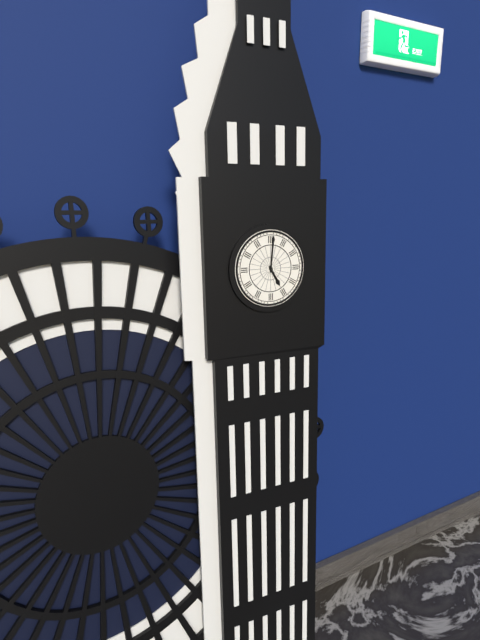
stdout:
5h01
